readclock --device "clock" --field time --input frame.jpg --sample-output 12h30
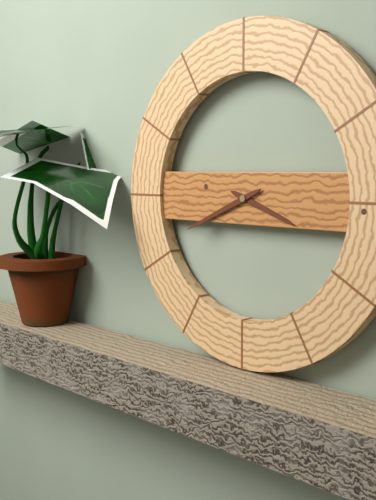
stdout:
3h41
